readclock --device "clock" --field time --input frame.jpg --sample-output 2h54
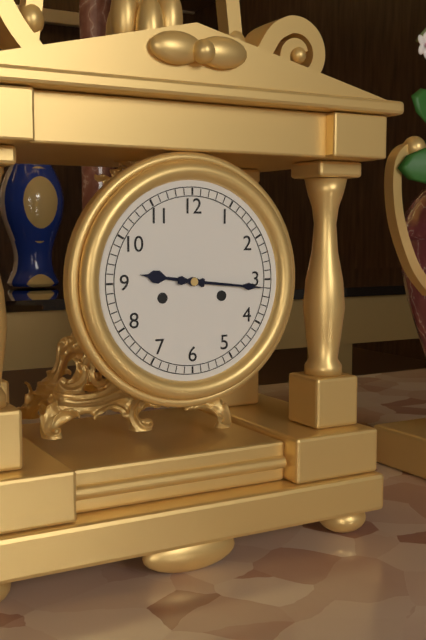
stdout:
9h16
